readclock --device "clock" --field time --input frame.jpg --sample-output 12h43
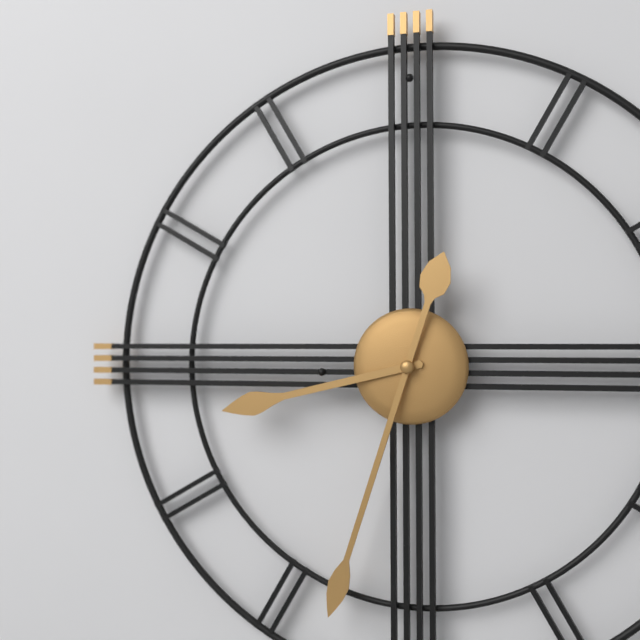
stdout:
8h33
